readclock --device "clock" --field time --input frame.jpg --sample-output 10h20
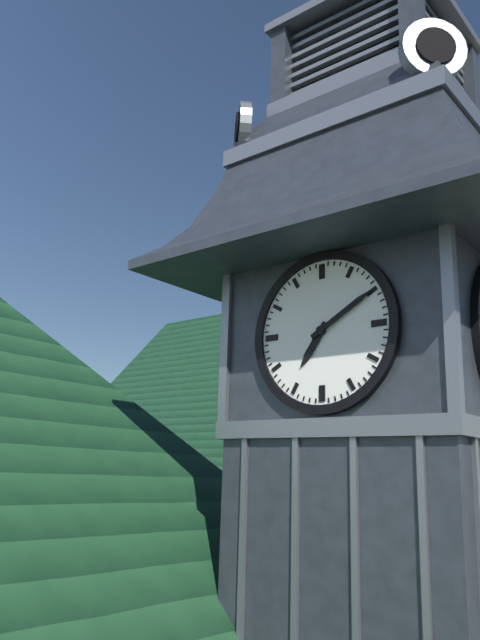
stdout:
7h10
